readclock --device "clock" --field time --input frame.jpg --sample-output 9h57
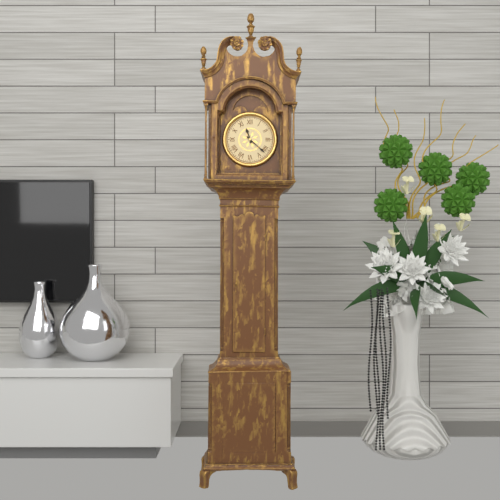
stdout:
11h22
